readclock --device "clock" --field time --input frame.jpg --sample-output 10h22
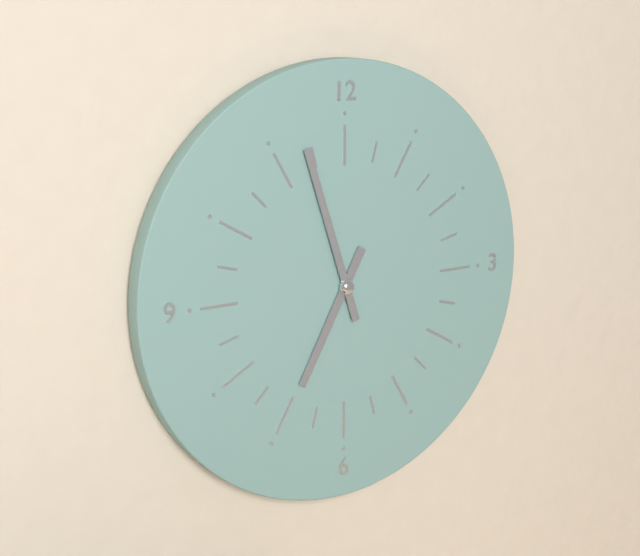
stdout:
6h57
